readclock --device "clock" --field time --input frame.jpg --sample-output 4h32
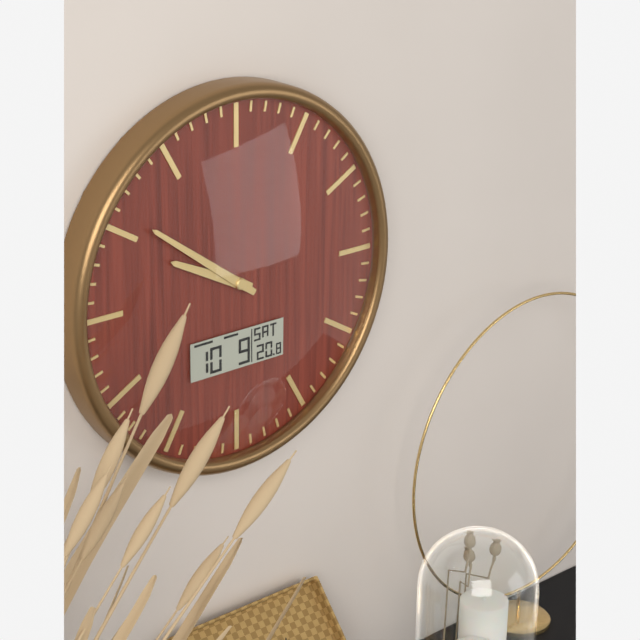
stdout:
9h51
